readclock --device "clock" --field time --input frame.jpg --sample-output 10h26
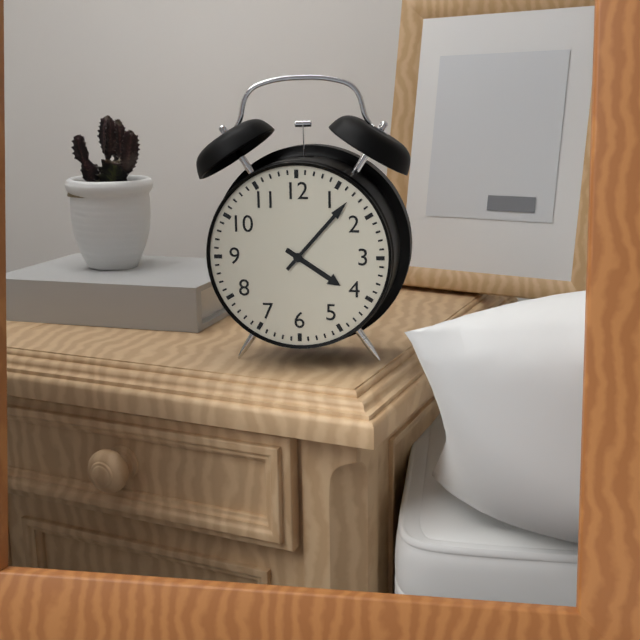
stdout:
4h07
